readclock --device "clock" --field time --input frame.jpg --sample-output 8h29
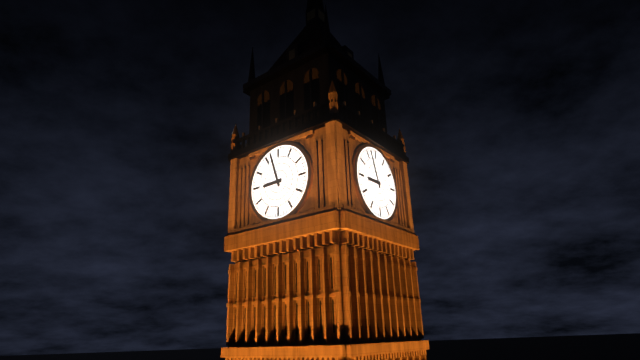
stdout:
8h57
